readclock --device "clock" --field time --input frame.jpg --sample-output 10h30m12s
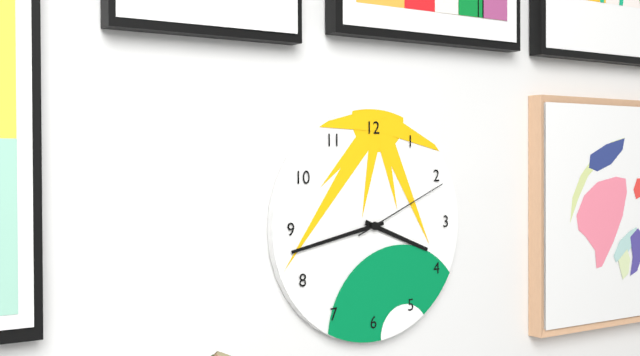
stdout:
3h43m11s
